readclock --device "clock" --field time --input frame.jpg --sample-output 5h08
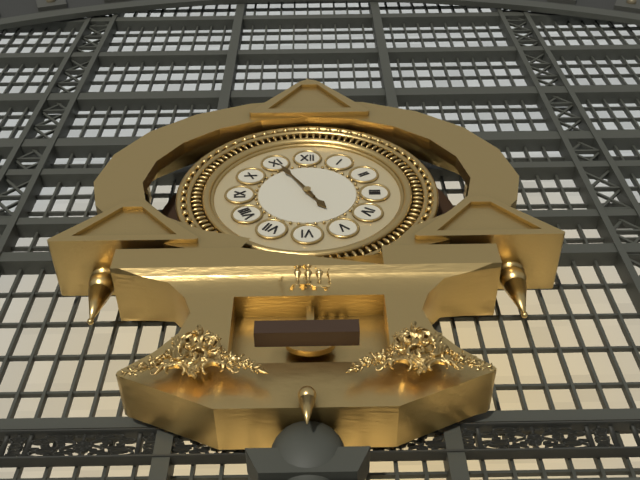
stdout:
4h55
